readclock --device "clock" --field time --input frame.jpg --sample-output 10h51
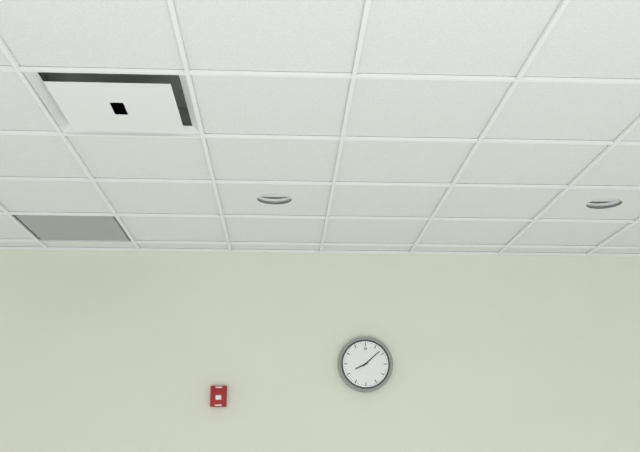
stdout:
8h08
